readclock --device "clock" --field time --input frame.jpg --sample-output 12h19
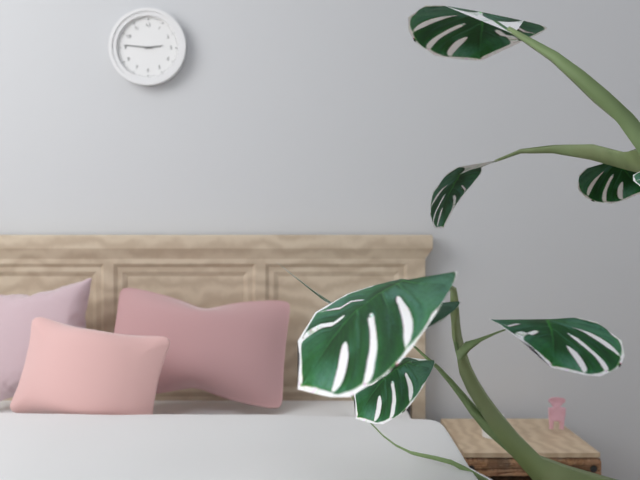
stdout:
2h46
